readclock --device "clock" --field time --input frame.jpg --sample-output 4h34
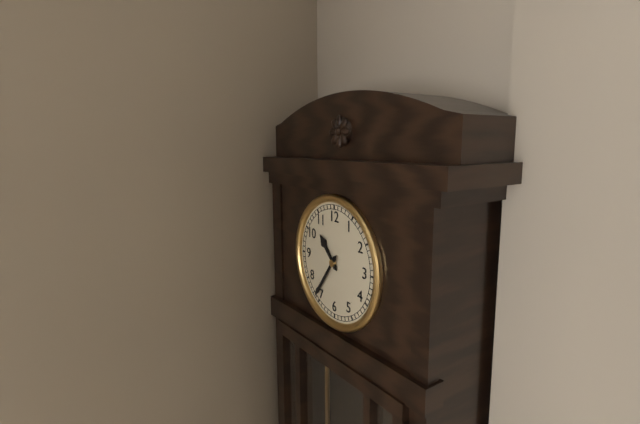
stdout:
10h36
